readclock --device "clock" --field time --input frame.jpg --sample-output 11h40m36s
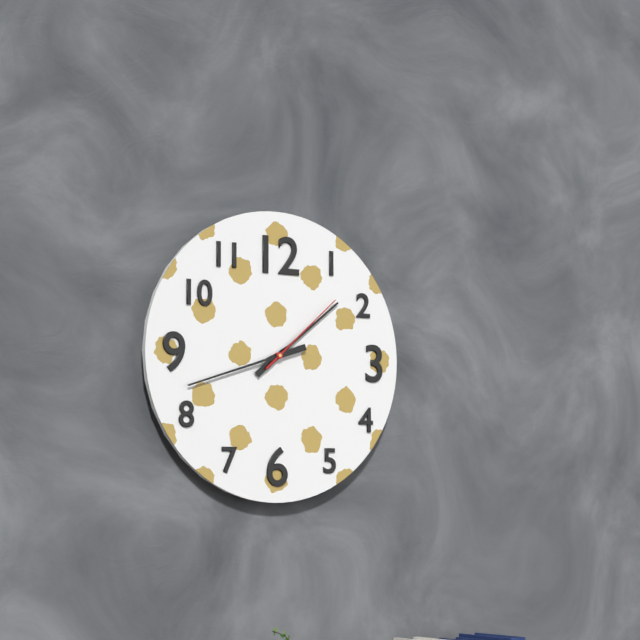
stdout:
1h42m08s
